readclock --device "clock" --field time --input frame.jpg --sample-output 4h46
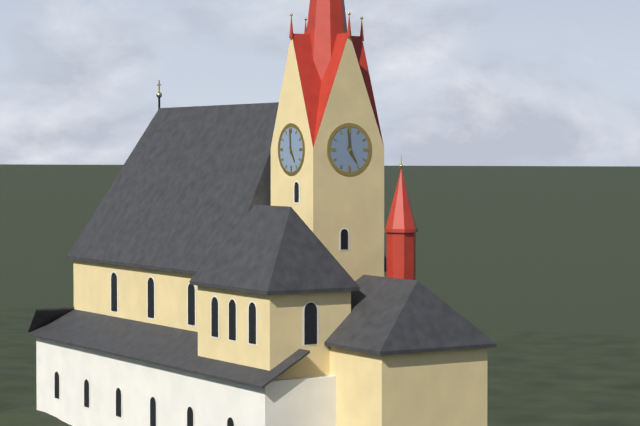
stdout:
4h59
